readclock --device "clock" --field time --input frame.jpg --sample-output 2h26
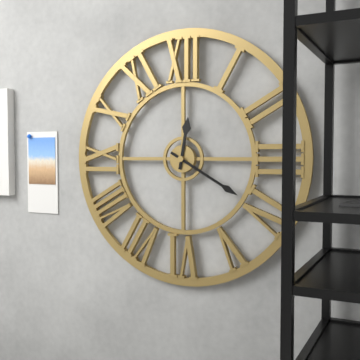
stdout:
12h20
